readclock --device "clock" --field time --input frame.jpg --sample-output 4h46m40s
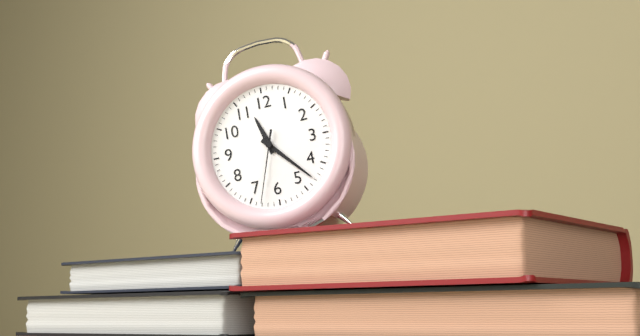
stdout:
11h23m33s
